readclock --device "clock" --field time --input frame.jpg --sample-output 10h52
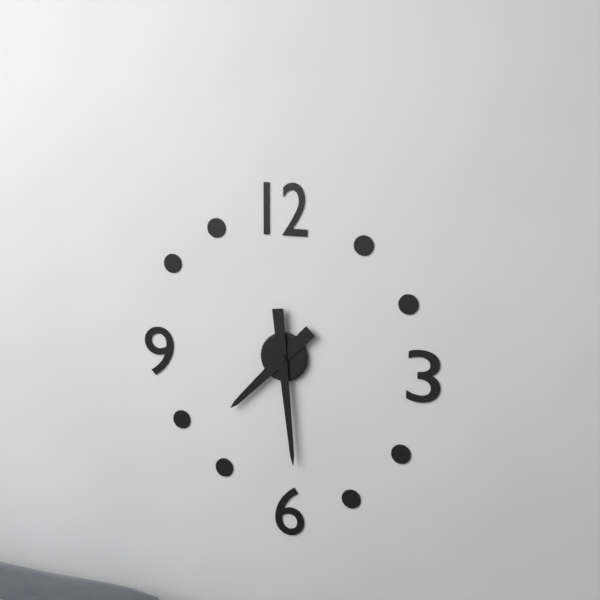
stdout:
7h29
